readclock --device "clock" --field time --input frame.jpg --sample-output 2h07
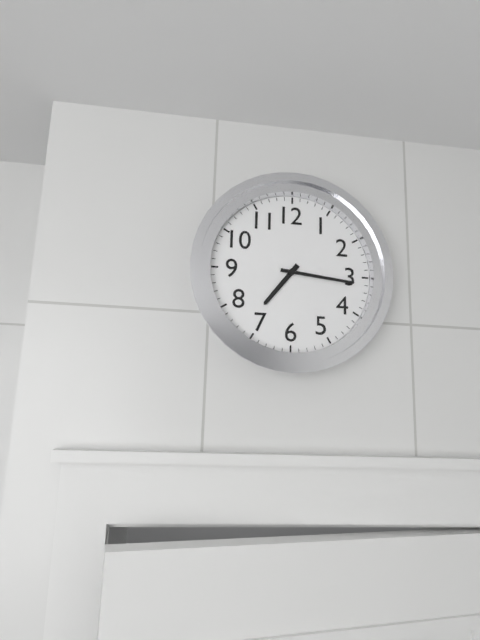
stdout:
7h16
